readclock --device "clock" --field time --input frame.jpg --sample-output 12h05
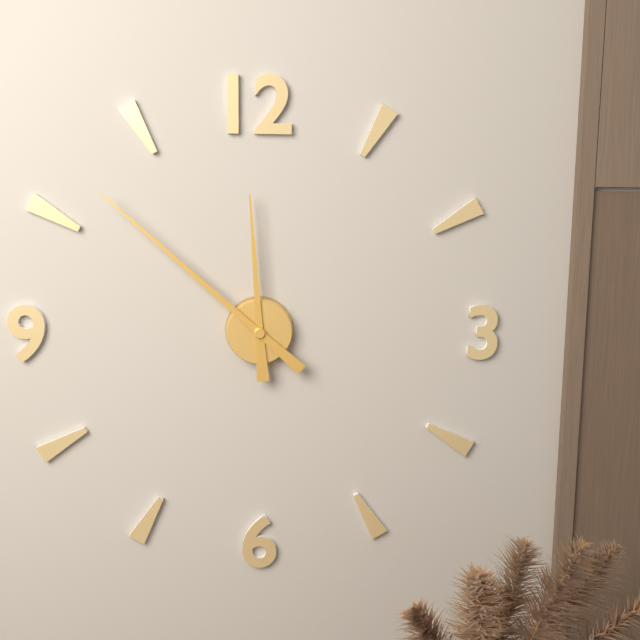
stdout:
11h52
